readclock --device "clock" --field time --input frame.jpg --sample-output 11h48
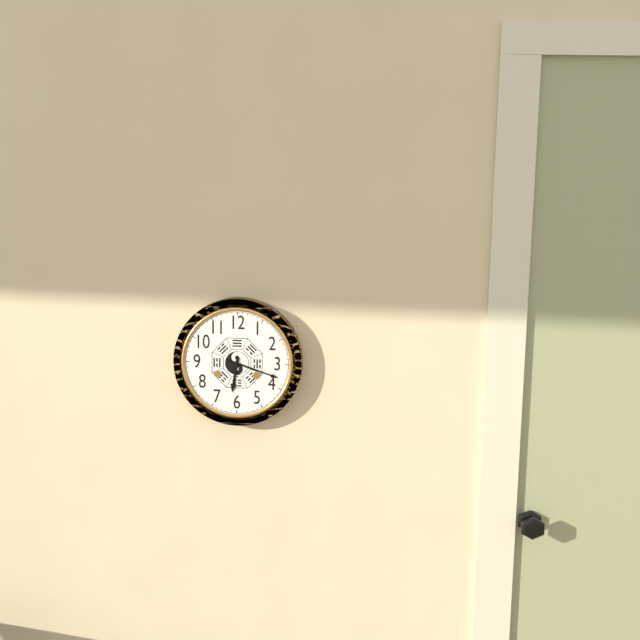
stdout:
6h18
